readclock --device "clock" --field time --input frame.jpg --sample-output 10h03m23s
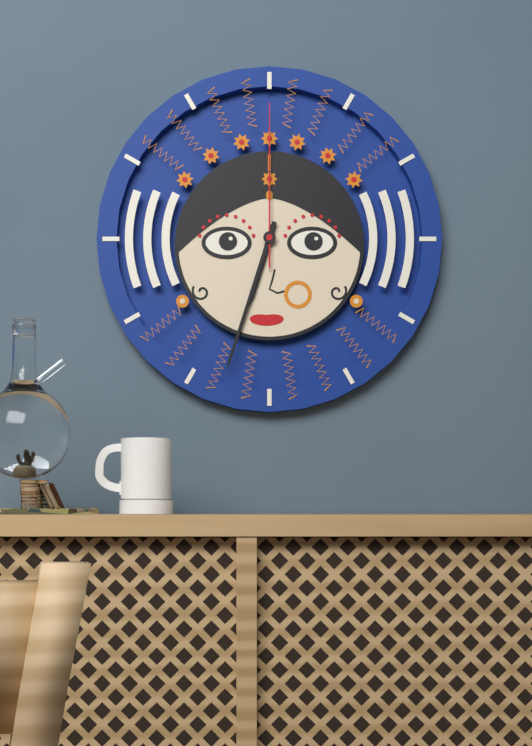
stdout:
6h33m00s
